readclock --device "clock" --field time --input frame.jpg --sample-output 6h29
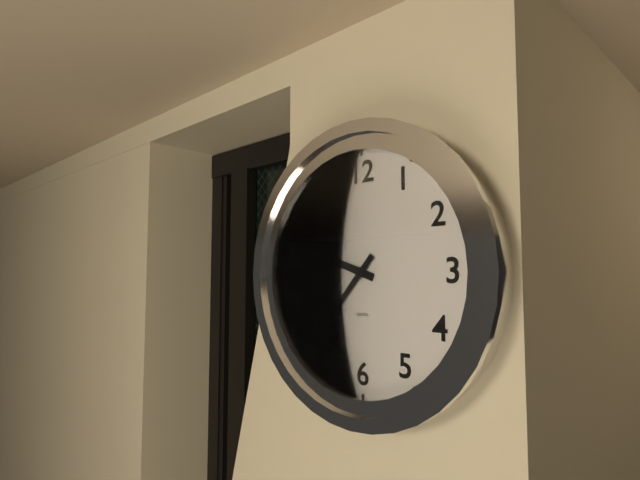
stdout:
9h37
